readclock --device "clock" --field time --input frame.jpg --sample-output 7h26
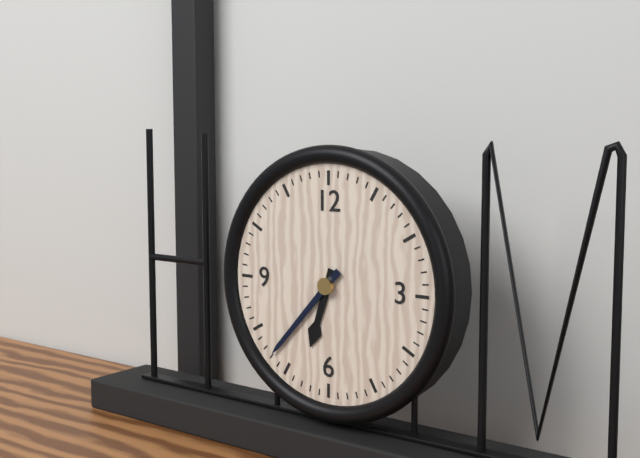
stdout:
6h37
